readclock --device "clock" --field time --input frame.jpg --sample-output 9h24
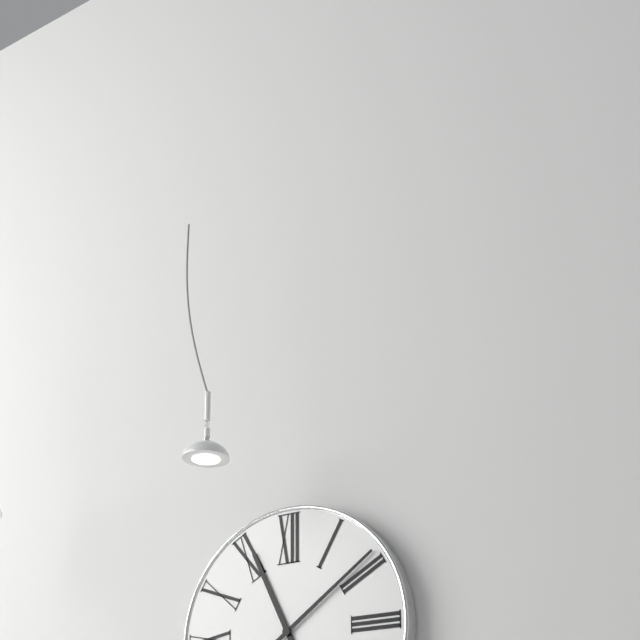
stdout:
11h09
